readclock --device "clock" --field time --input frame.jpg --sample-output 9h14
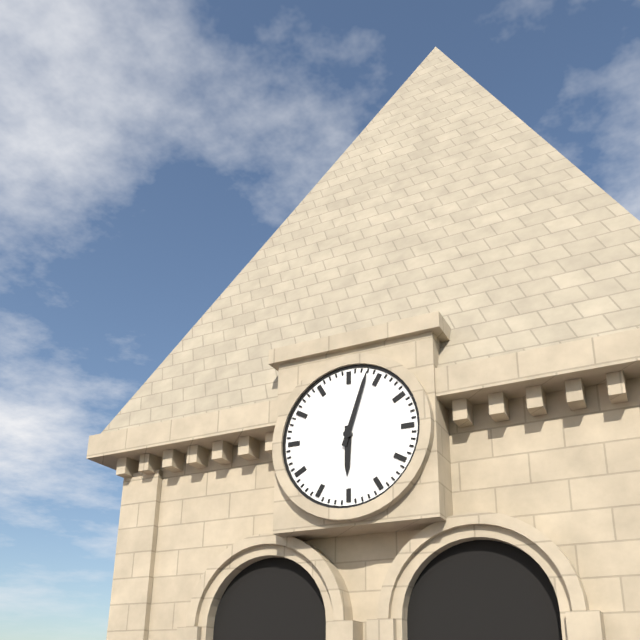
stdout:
6h03
